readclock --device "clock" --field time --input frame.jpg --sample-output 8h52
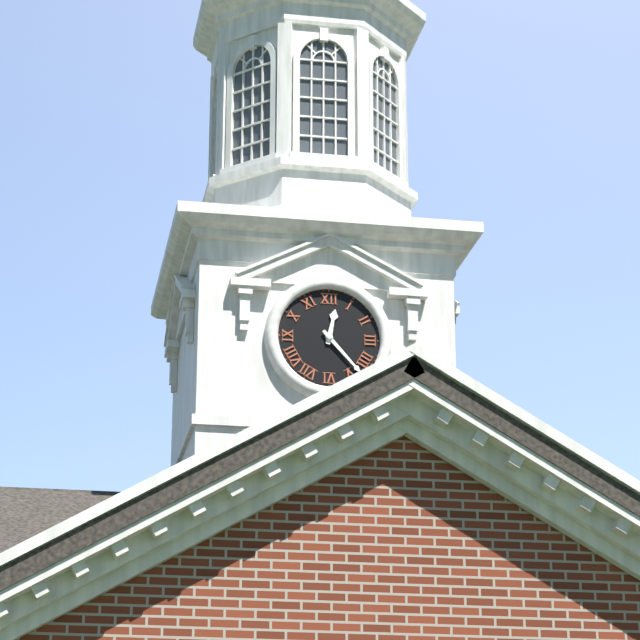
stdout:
12h23
